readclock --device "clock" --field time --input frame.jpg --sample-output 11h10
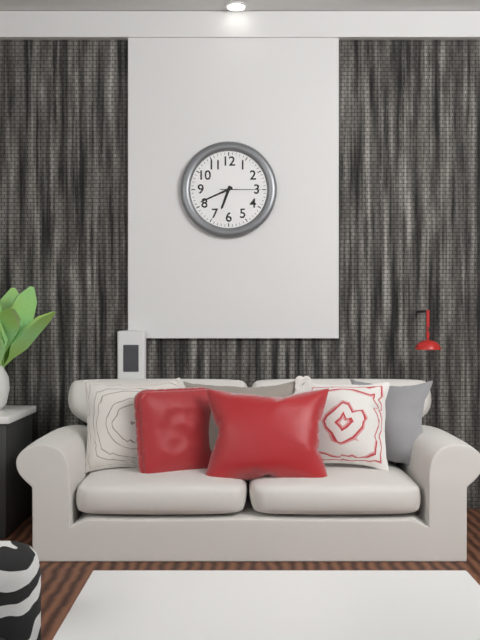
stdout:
6h41
